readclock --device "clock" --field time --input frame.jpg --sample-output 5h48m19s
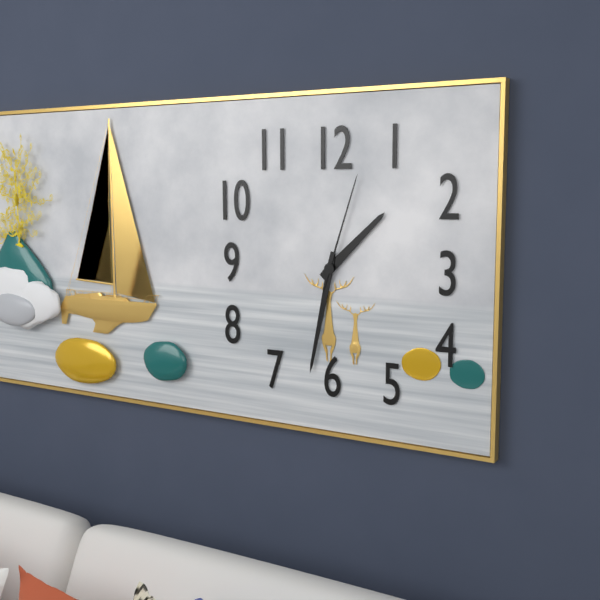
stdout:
1h32m03s
